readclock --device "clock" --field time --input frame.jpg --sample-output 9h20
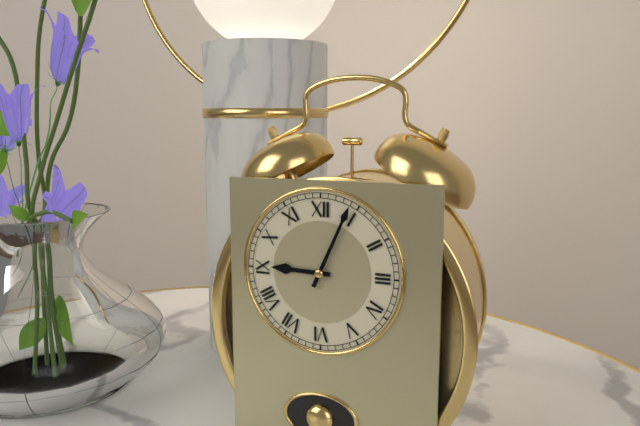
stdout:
9h04
